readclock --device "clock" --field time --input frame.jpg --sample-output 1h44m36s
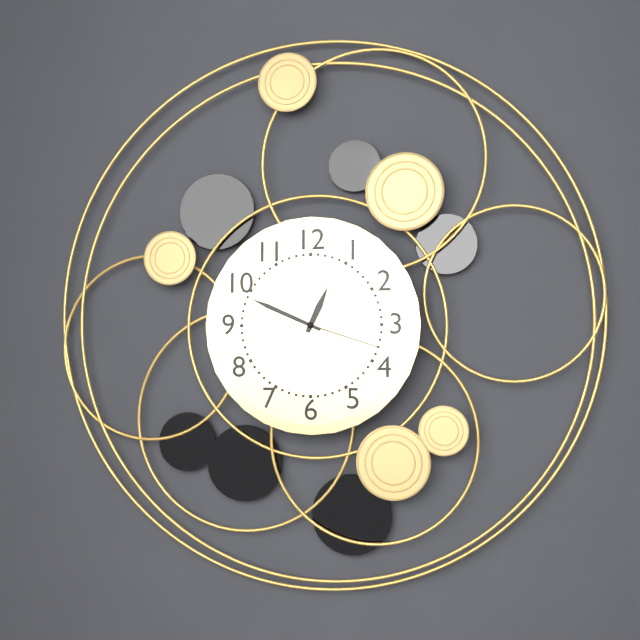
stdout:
12h49m18s
